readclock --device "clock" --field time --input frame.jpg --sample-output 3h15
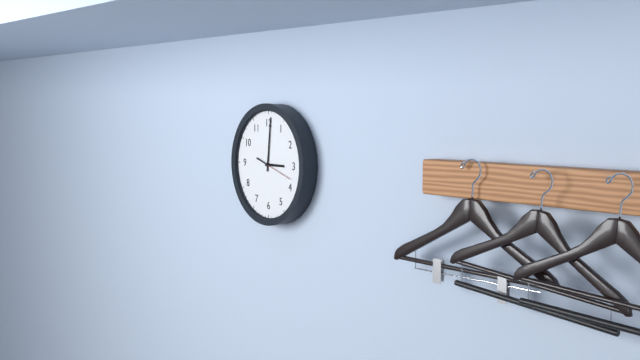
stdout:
3h01
